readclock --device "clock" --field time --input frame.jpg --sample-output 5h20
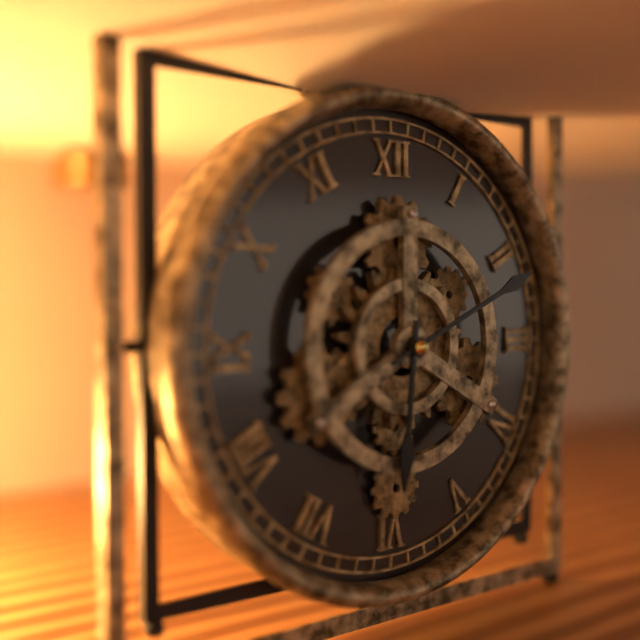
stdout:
6h11
